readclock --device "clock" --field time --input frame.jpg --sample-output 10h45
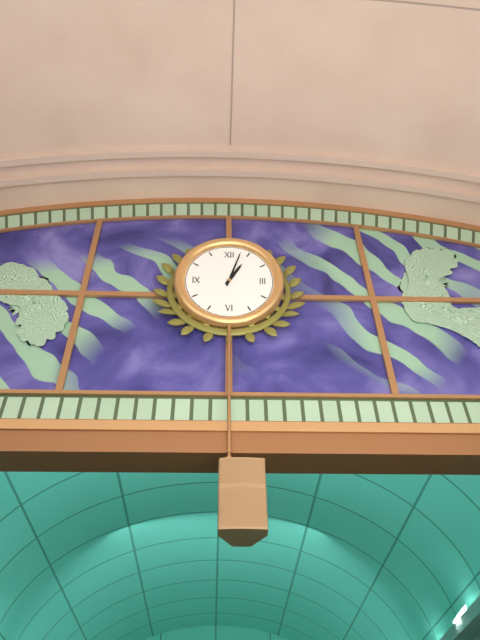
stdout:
1h03
